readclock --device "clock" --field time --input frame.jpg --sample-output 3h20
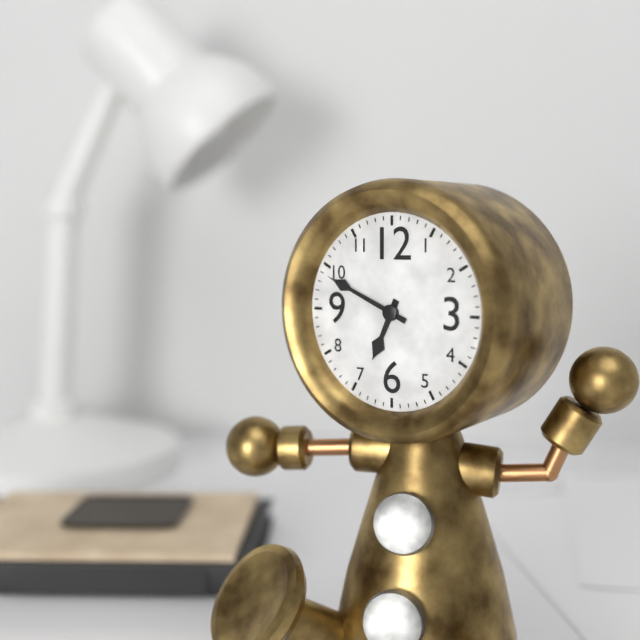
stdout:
6h49
